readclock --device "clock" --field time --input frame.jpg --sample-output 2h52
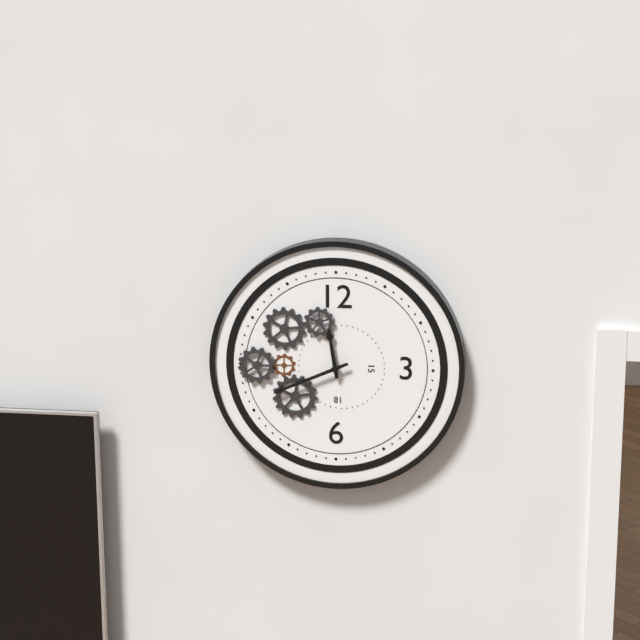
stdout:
11h41
